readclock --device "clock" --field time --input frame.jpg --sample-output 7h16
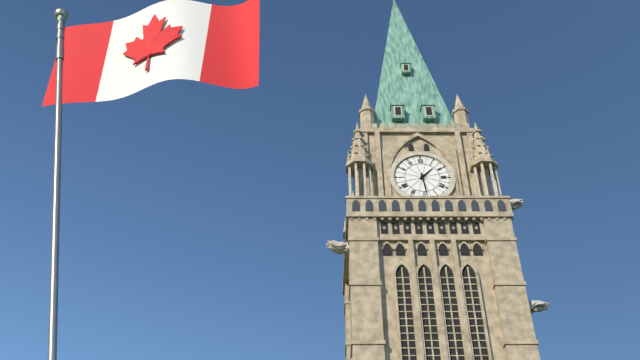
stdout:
1h29
